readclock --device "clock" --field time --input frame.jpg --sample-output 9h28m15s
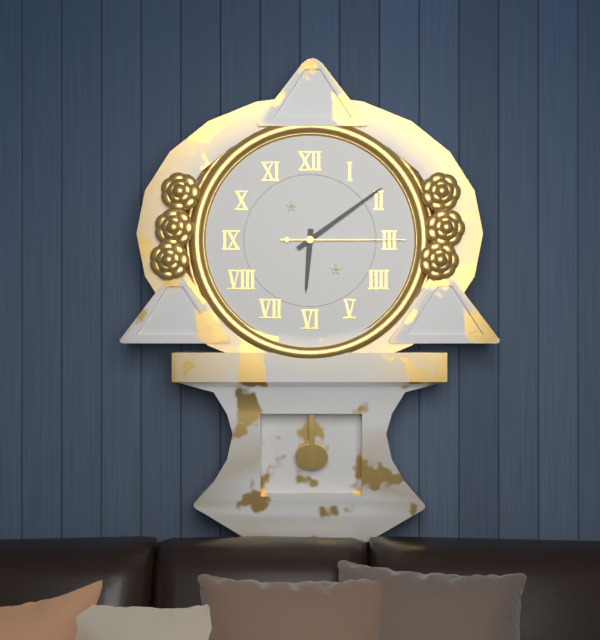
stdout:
6h09m15s
